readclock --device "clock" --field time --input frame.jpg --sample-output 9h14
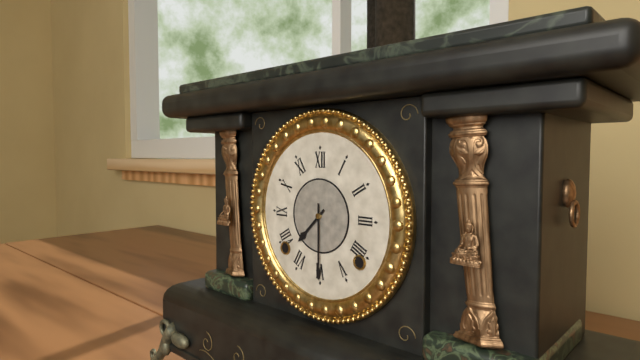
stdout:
7h30
